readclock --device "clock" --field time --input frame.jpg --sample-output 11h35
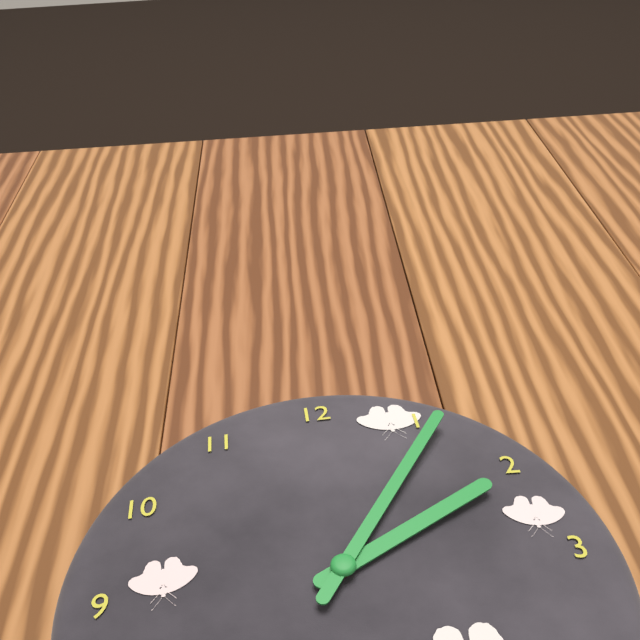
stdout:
2h06
